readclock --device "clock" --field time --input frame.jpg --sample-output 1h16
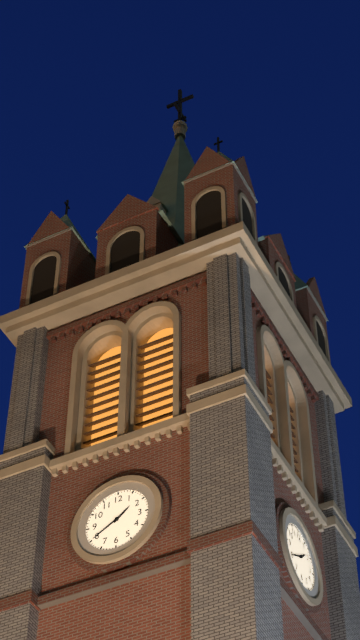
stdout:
1h40
